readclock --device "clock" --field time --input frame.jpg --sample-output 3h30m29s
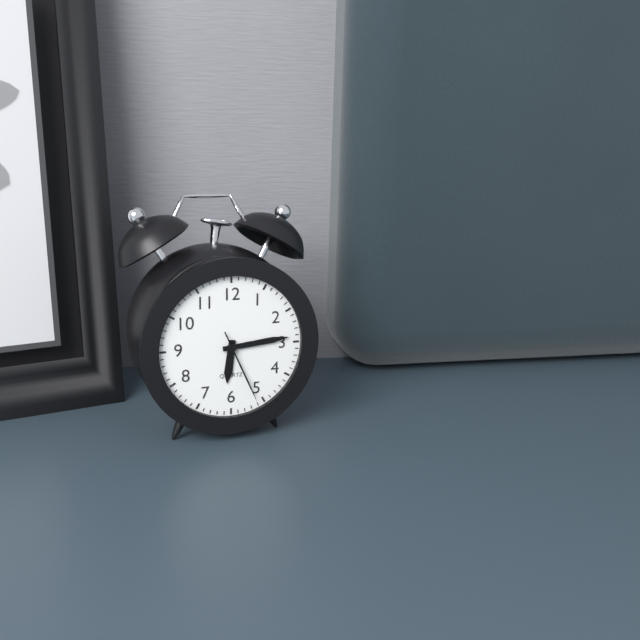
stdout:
6h14m26s
